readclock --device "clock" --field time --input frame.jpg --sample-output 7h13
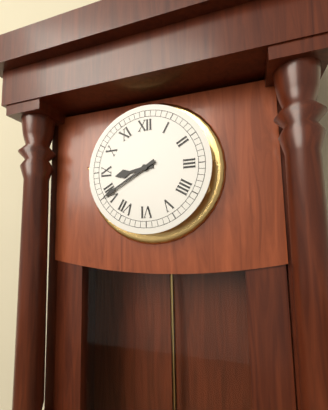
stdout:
8h40
